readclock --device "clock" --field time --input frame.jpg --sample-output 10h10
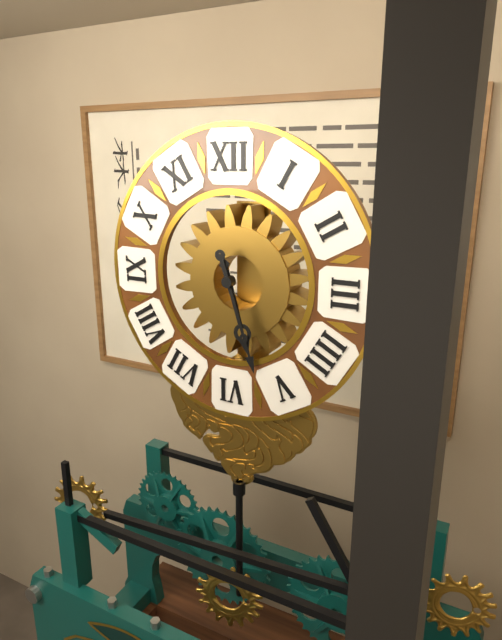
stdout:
5h27
